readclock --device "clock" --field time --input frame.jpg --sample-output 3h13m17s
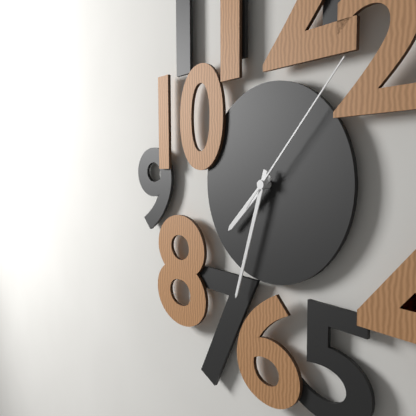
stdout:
7h33m07s
